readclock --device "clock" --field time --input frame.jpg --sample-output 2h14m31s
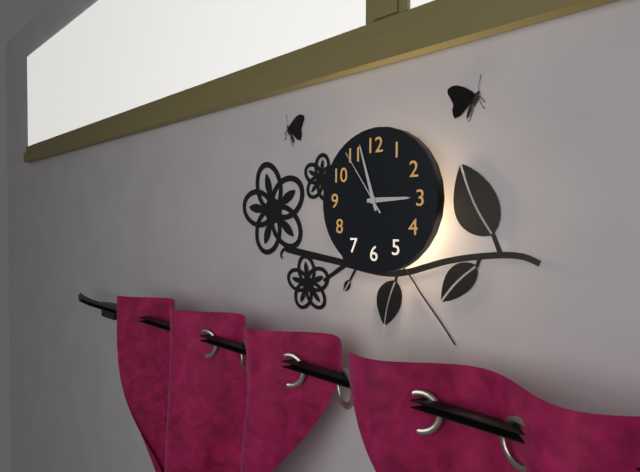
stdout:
2h57m54s
